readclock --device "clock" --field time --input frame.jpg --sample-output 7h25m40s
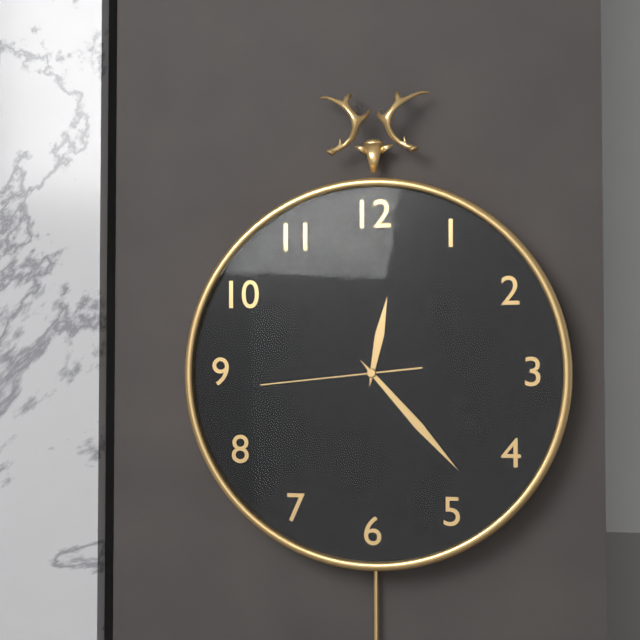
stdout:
12h23m44s
